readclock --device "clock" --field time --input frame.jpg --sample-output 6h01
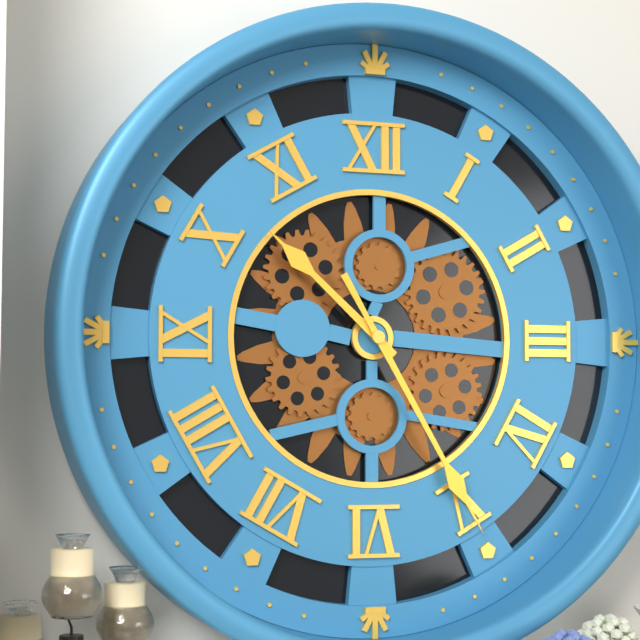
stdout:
10h25
